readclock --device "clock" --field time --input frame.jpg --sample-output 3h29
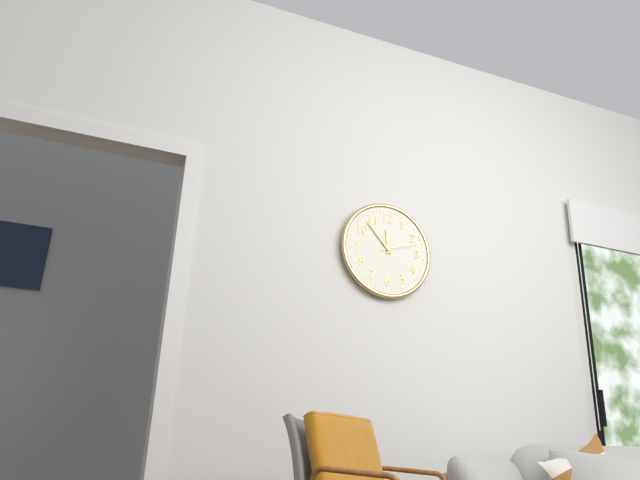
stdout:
11h53
